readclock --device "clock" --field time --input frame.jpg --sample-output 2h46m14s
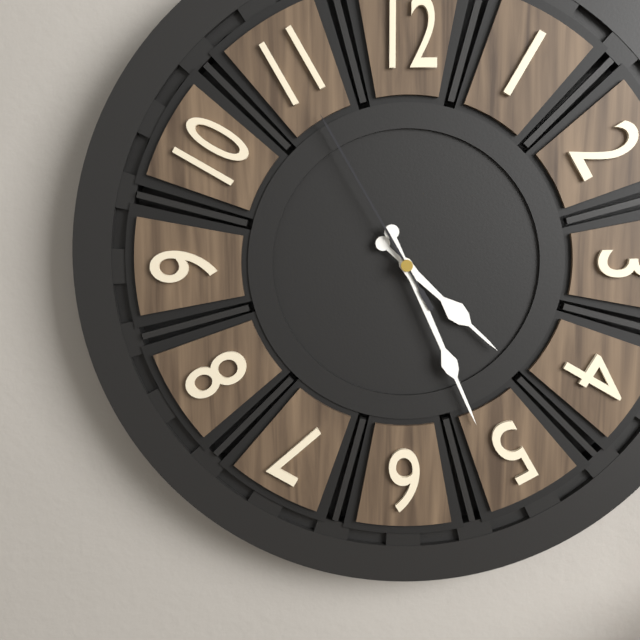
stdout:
4h26m55s
